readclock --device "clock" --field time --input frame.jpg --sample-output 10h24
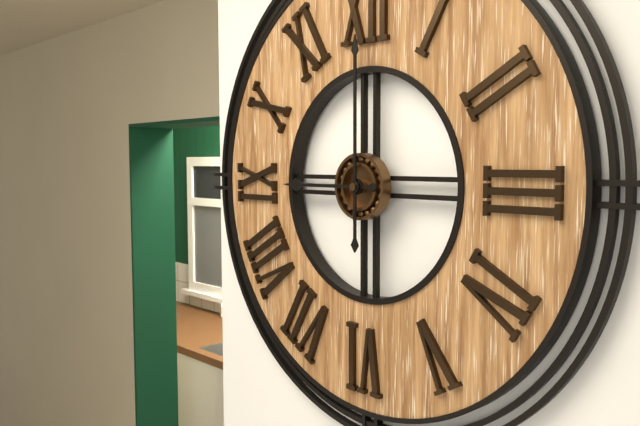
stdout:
9h00
